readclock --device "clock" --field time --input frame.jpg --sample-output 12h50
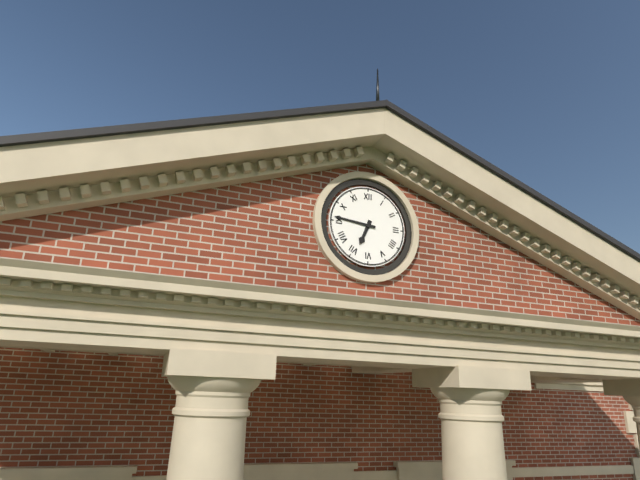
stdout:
6h46
